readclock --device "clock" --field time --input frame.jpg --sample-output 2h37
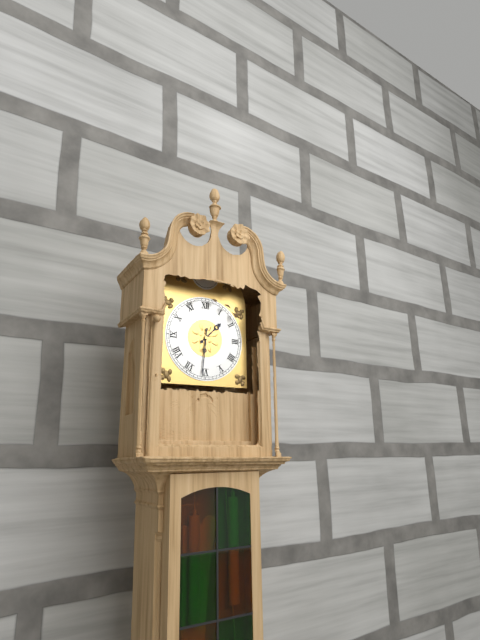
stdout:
1h31
